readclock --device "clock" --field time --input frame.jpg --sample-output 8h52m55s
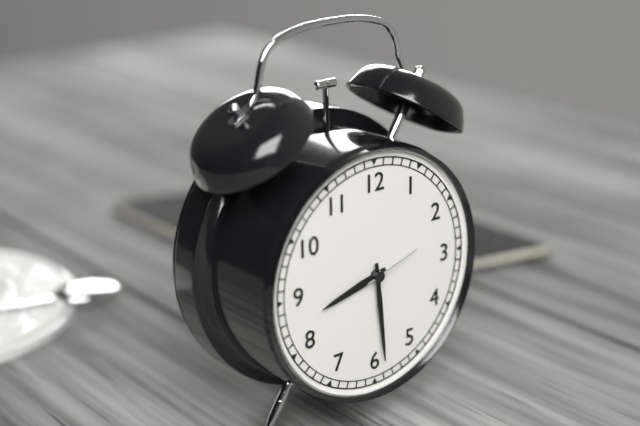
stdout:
8h29m12s
